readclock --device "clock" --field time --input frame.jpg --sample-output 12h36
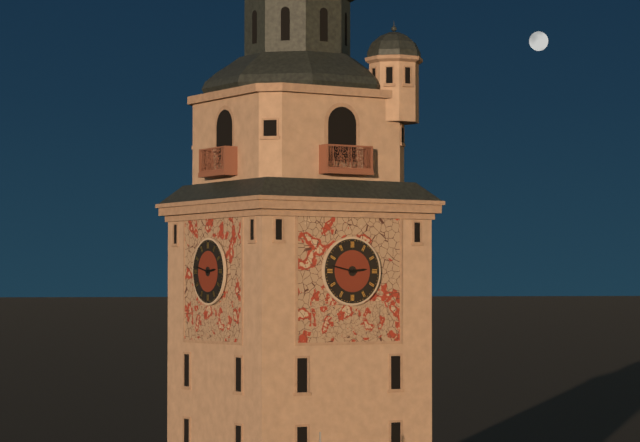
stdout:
2h47
